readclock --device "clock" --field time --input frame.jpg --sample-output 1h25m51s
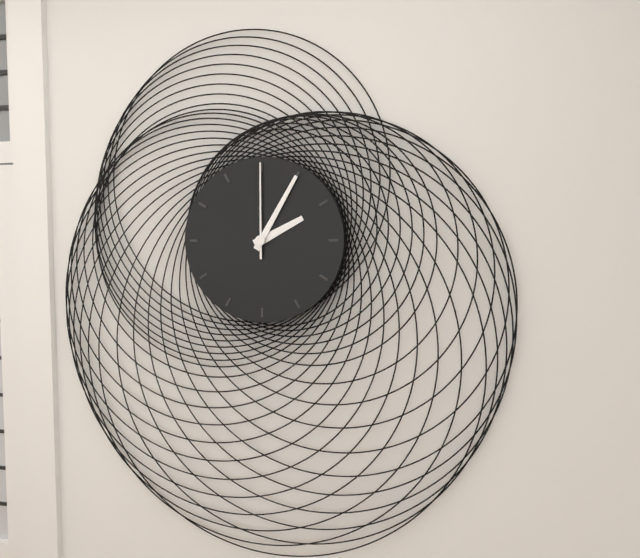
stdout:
2h05m00s
